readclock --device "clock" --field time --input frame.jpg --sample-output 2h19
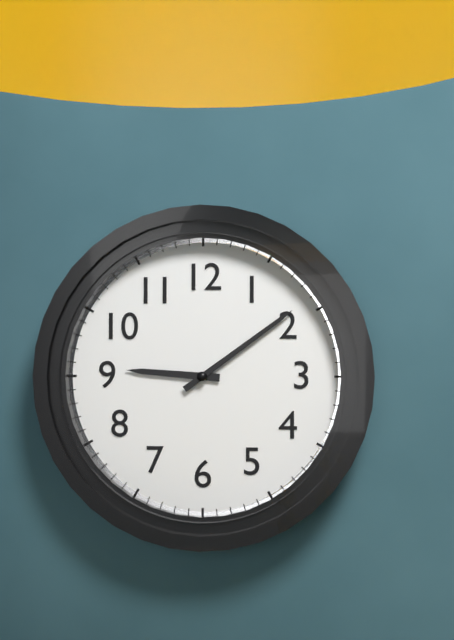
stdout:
9h09
